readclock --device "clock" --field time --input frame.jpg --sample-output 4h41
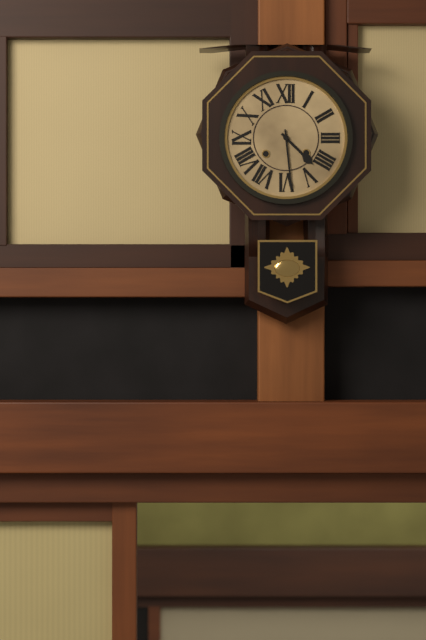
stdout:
4h29
